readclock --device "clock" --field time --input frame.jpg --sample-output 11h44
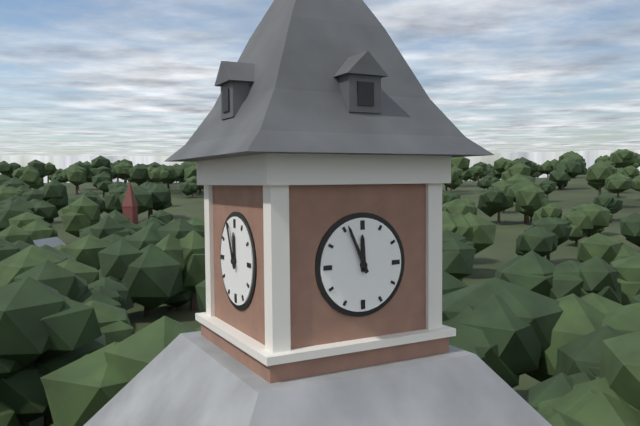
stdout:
11h56
